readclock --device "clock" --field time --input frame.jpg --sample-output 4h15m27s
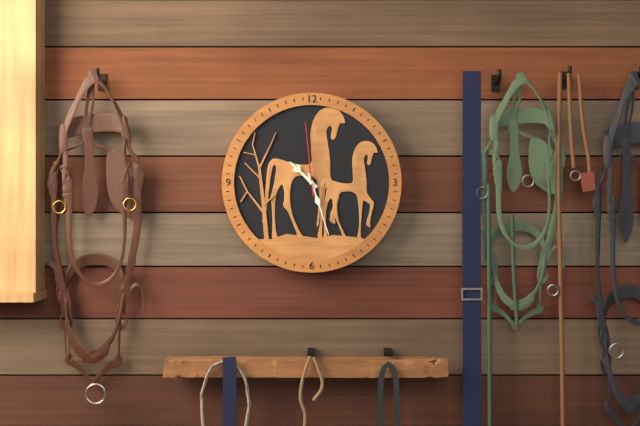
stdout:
10h27m59s
